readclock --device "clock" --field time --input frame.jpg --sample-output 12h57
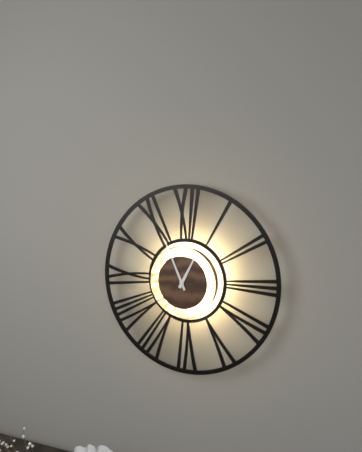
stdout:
12h56
